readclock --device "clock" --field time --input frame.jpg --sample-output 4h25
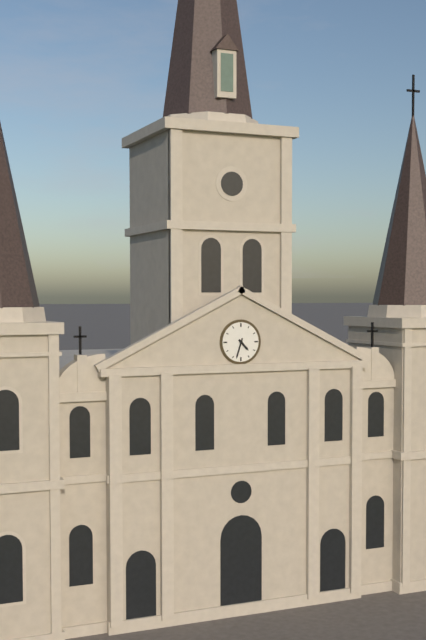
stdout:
4h33
